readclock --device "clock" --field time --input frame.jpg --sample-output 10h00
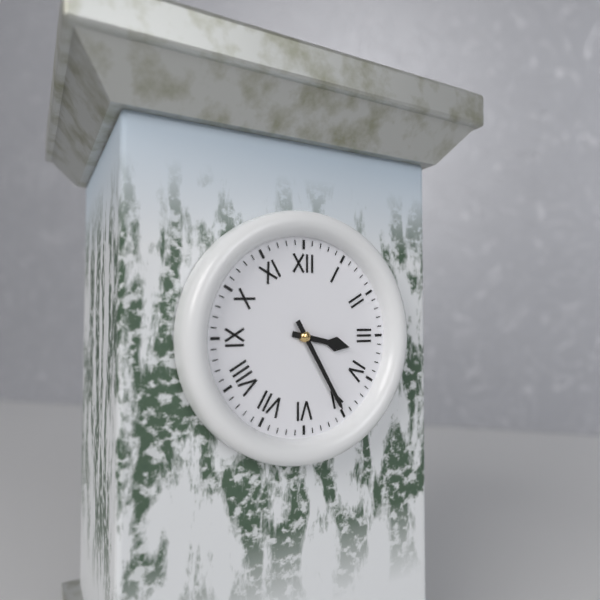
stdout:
3h25
